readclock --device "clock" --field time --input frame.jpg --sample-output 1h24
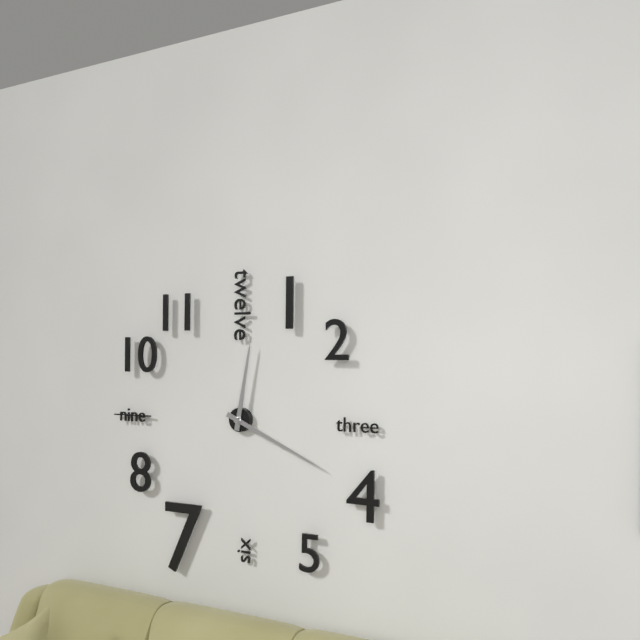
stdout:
12h19
